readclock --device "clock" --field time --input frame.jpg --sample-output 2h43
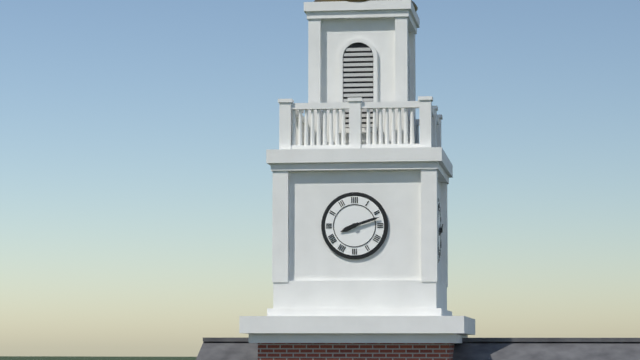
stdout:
8h12
